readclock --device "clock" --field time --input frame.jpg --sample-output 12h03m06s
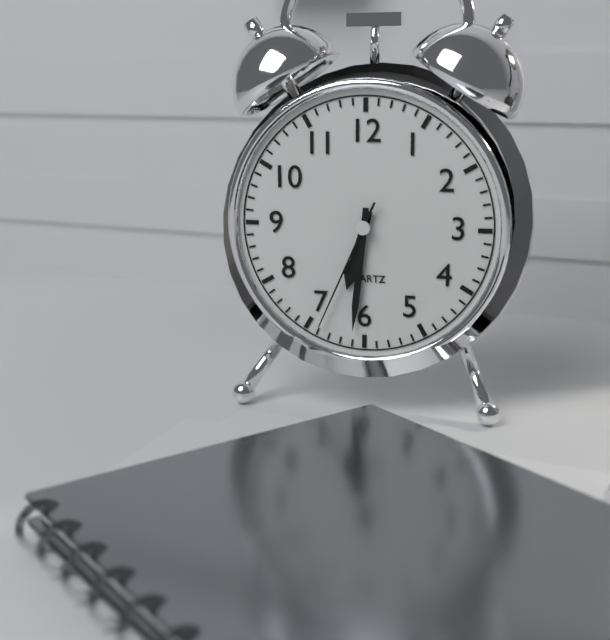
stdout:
6h31m34s
